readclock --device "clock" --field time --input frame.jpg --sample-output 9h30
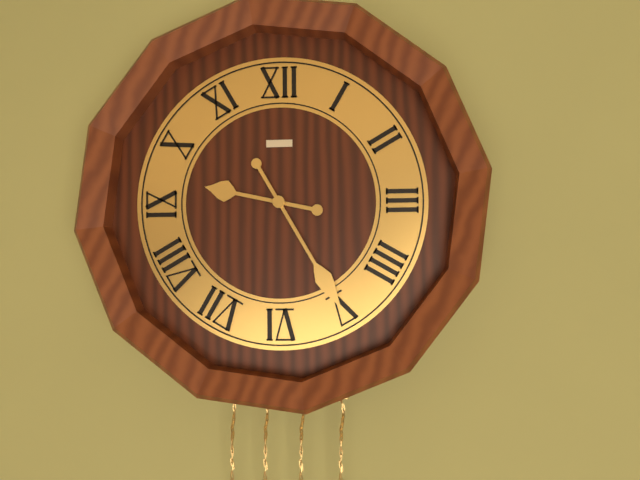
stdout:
9h25
